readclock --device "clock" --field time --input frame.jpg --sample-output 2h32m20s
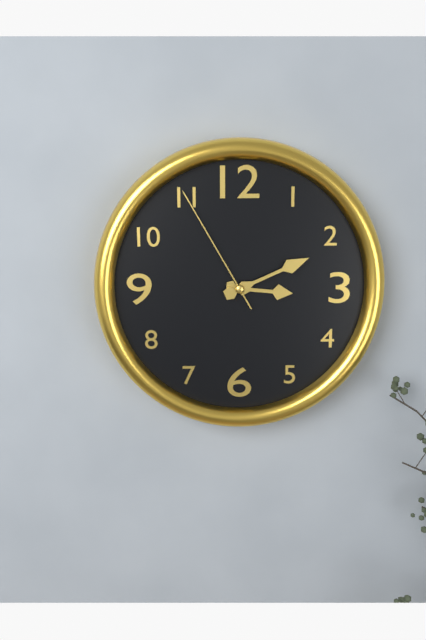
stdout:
3h11m55s
